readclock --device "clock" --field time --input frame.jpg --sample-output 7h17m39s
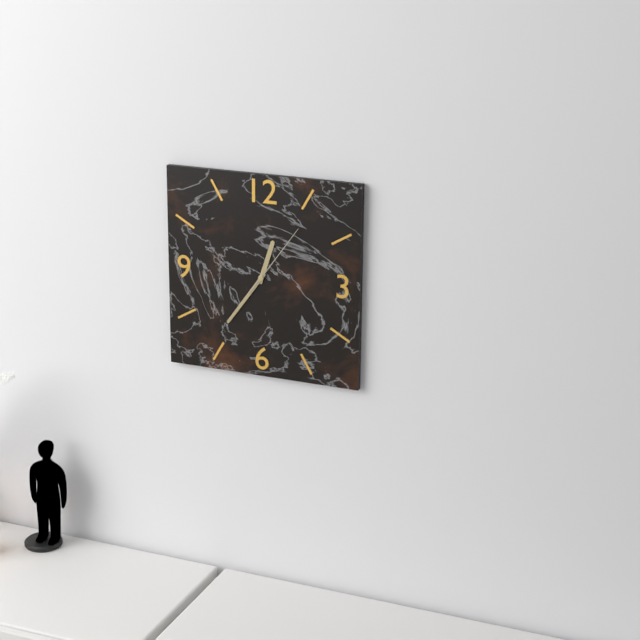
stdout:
12h36m06s
